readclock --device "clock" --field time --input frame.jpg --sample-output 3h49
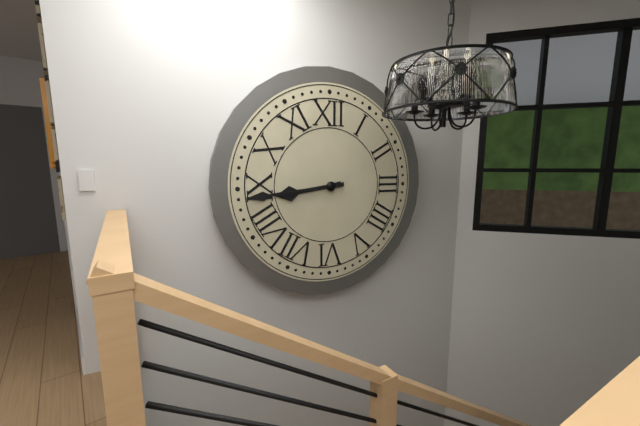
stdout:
8h44
